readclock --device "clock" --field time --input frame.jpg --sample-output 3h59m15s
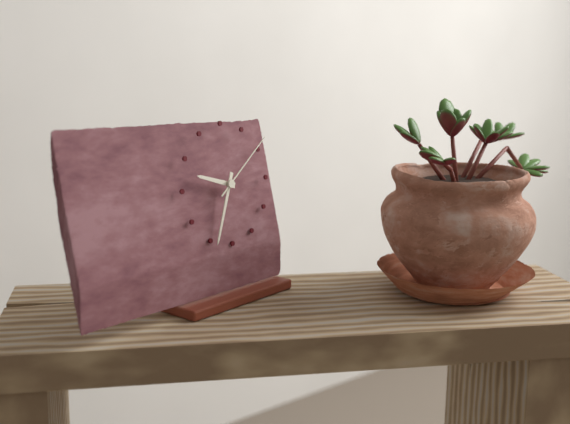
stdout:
9h34m09s
